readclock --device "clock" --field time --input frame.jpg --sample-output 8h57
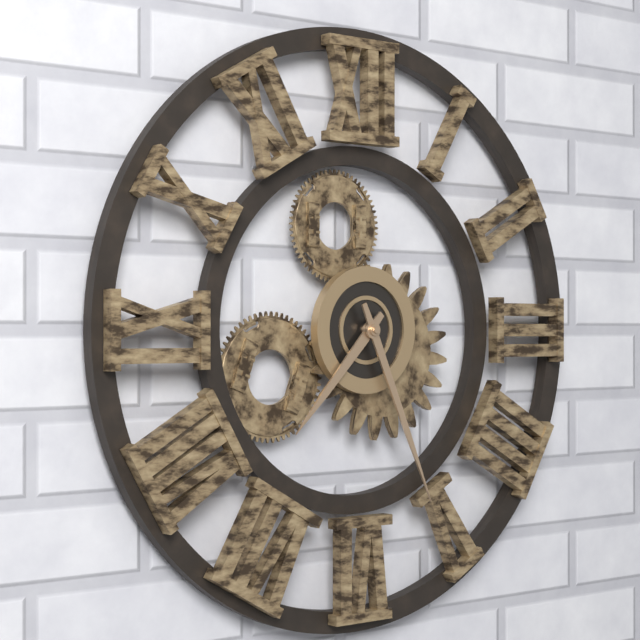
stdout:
7h26
